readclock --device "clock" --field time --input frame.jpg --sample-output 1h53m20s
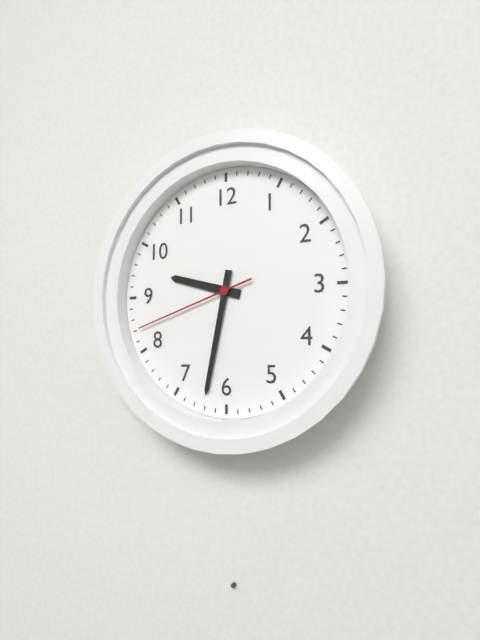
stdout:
9h32m42s
